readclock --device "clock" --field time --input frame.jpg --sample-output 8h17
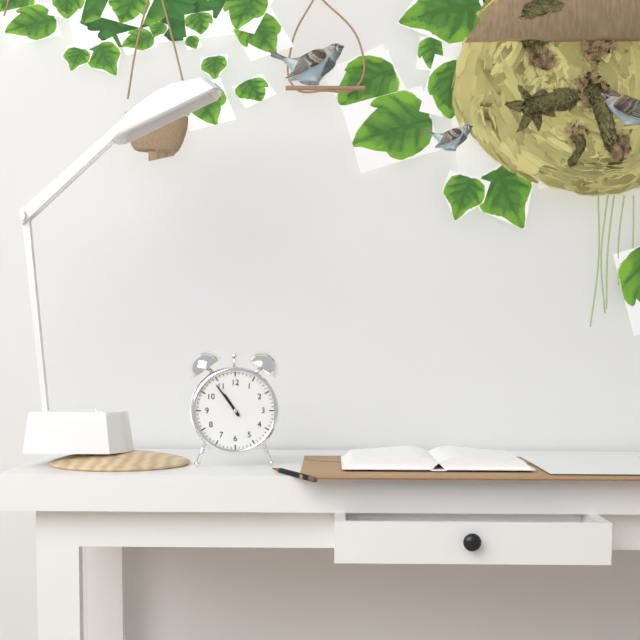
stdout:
10h54
